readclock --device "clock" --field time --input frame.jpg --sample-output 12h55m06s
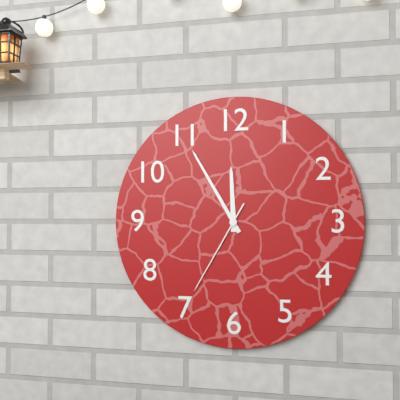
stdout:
11h55m35s
